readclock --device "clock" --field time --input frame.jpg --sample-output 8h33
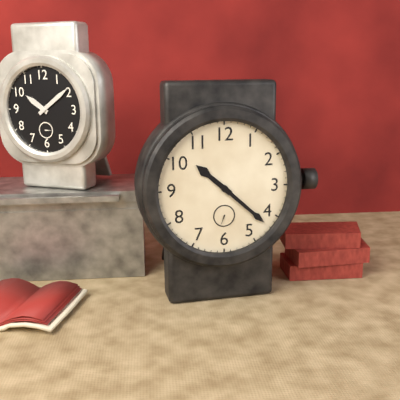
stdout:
10h22
